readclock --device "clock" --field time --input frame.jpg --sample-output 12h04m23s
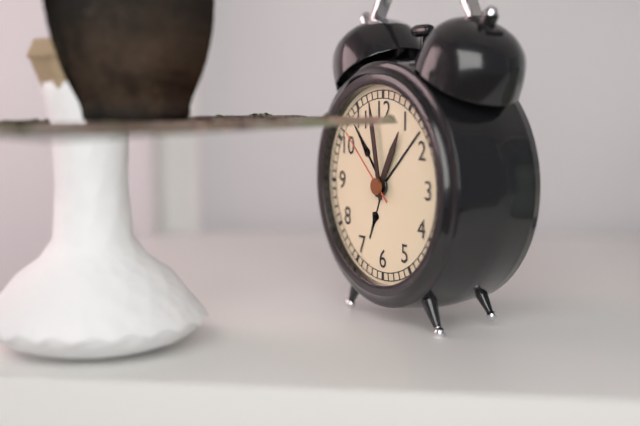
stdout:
12h58m52s
